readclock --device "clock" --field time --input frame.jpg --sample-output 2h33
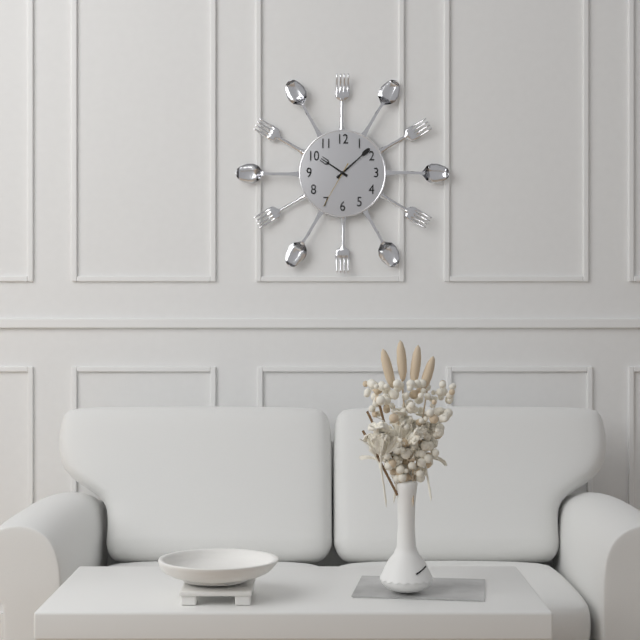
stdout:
10h08
